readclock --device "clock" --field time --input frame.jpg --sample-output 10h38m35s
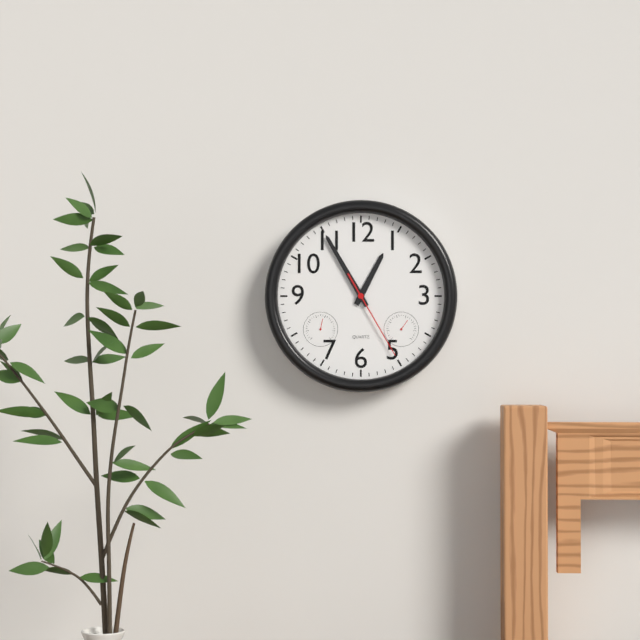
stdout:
12h55m25s
